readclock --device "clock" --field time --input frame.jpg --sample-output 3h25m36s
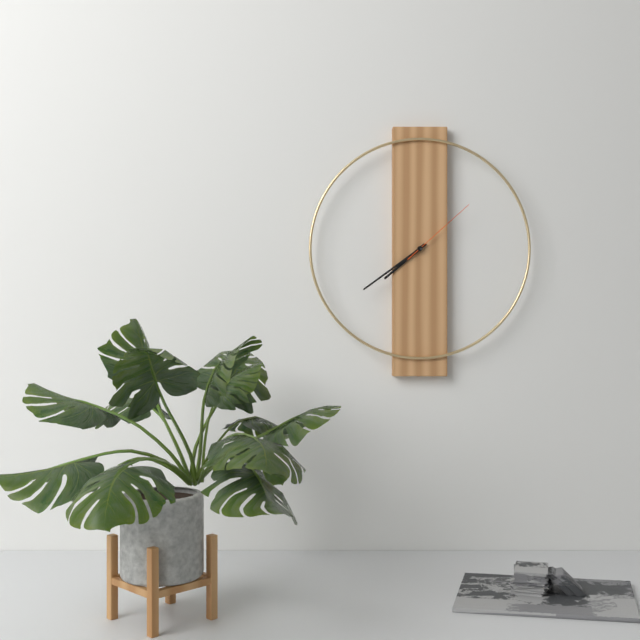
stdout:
7h39m08s
